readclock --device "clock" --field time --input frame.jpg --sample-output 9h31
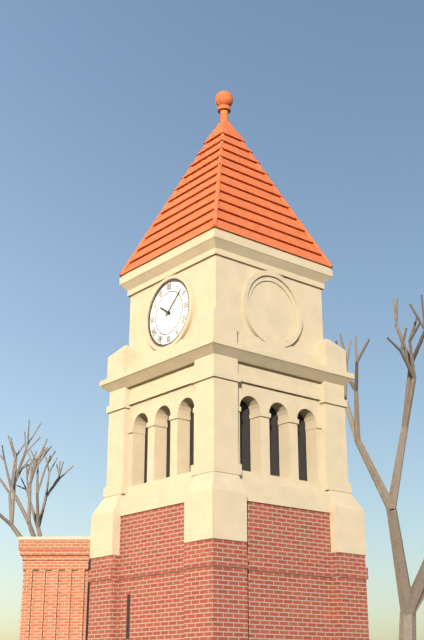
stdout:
10h08
